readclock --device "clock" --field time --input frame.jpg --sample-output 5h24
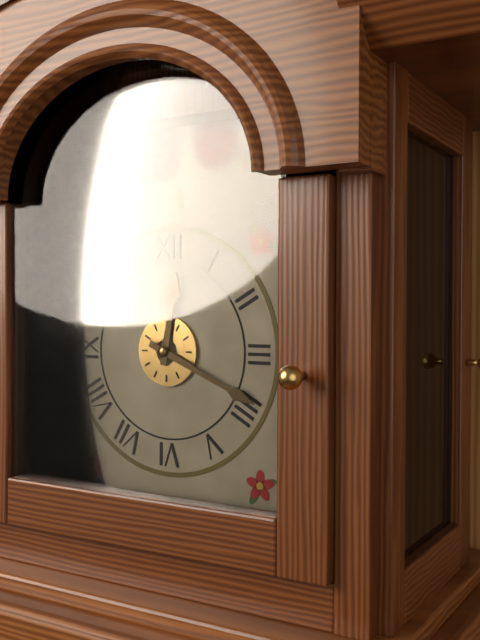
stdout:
12h19
